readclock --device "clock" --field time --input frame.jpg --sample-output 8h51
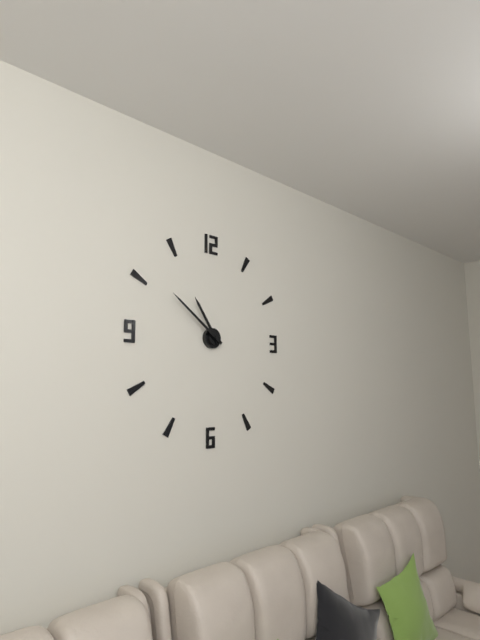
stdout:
10h51
